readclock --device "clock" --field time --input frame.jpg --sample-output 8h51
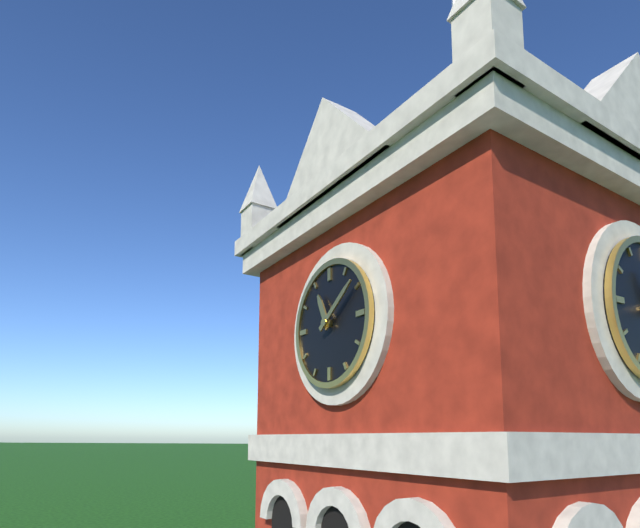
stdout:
11h09
